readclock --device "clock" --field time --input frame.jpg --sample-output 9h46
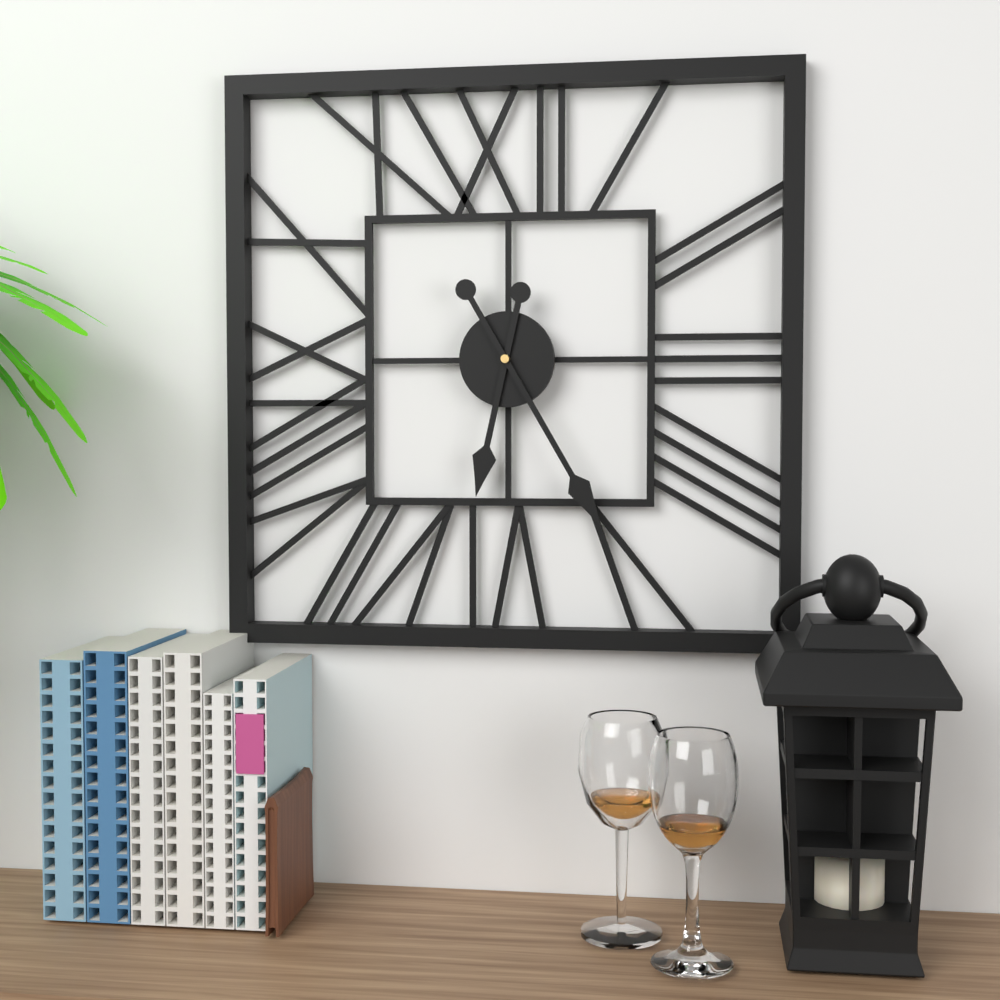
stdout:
6h25
